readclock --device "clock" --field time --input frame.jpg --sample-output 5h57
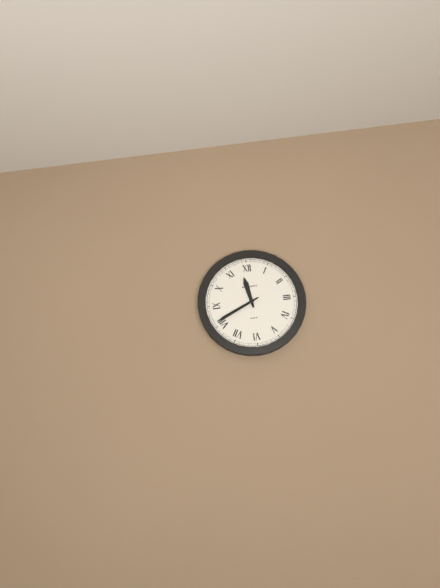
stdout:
11h41
